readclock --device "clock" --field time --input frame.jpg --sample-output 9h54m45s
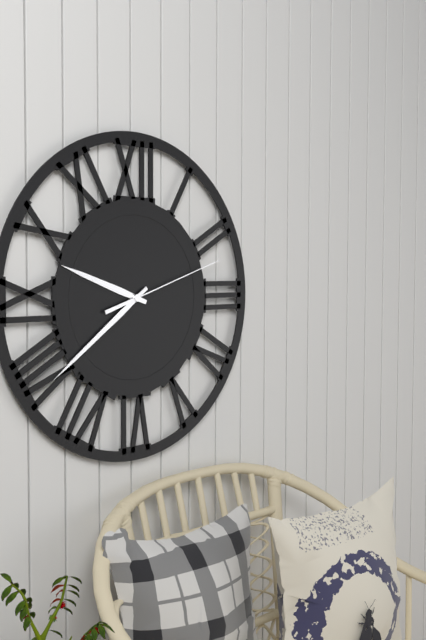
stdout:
9h39m12s
